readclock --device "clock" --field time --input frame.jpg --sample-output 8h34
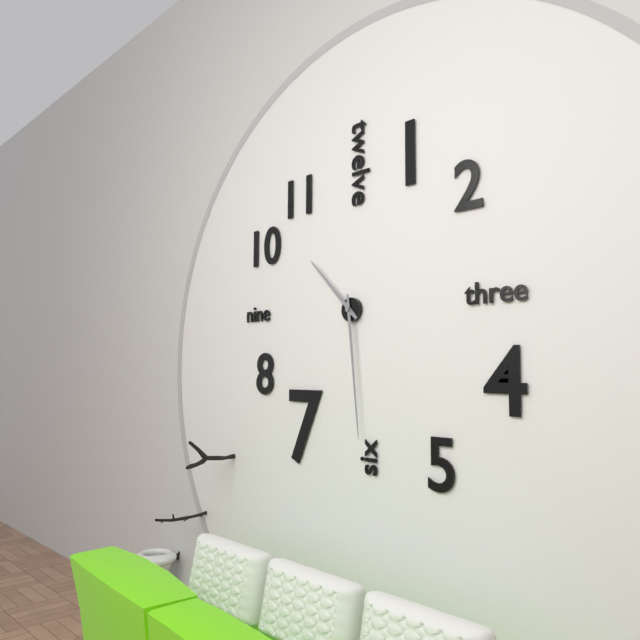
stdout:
10h29
